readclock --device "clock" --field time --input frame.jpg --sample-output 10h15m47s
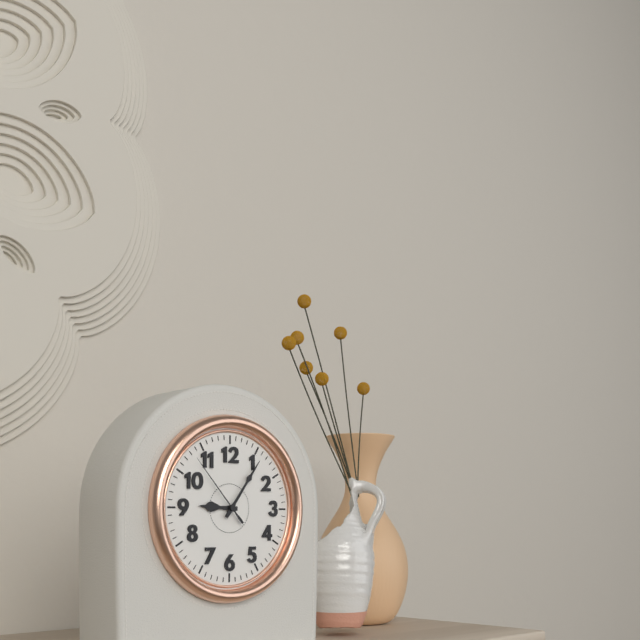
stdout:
9h06m53s
